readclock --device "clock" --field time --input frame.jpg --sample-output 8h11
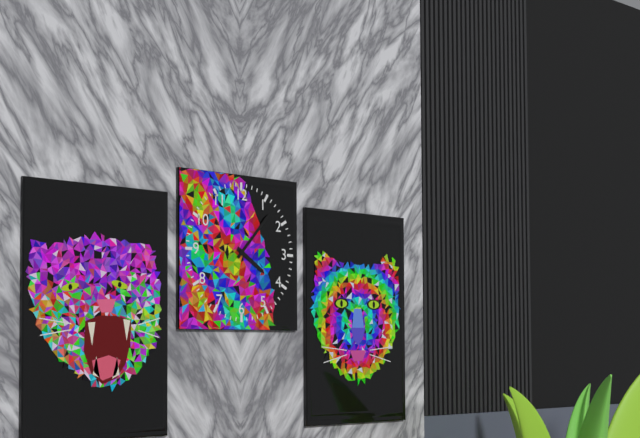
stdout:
4h07
